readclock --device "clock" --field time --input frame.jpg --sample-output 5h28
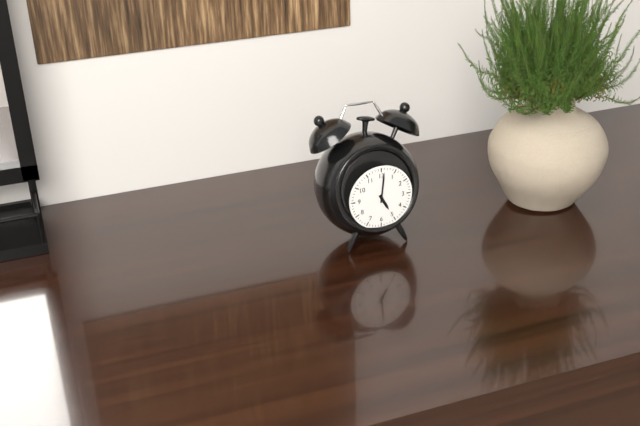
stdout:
5h01
